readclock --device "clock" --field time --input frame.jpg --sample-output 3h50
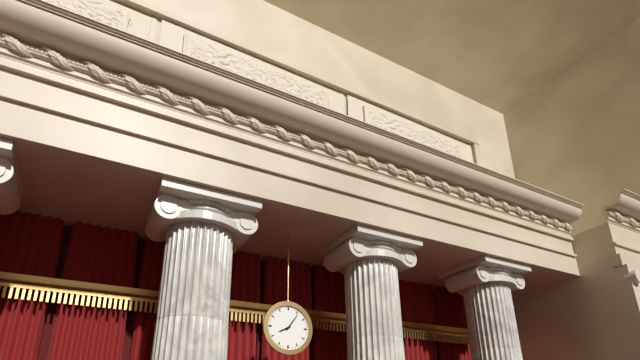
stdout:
8h06
